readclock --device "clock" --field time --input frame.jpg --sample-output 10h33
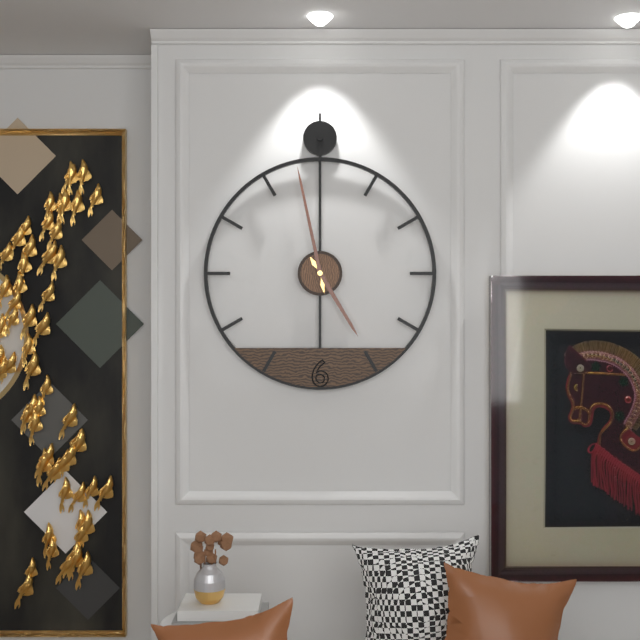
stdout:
4h58
